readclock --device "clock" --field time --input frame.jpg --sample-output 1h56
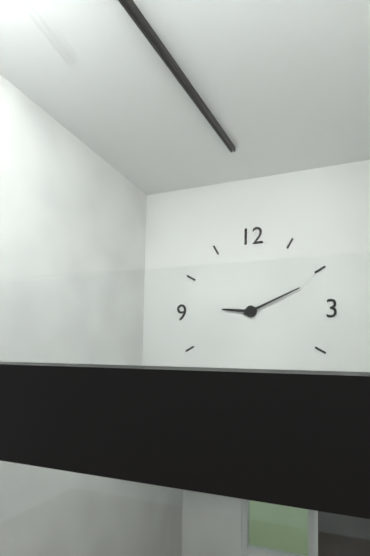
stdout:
9h11
